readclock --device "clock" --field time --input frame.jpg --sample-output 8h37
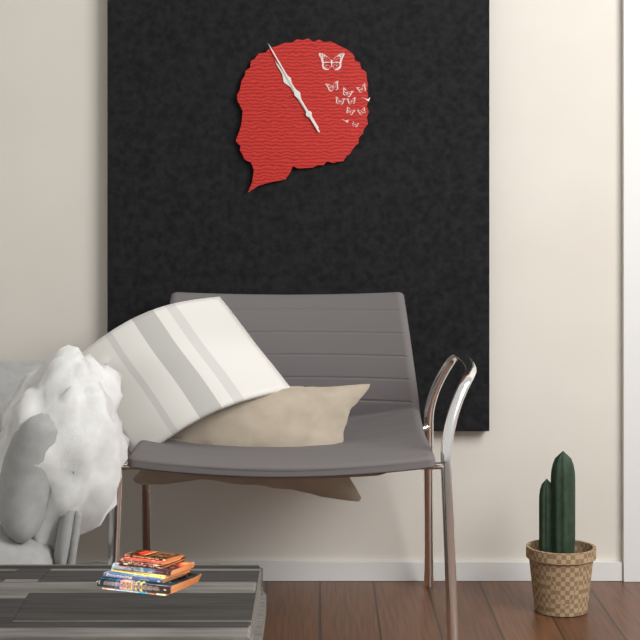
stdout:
10h55
